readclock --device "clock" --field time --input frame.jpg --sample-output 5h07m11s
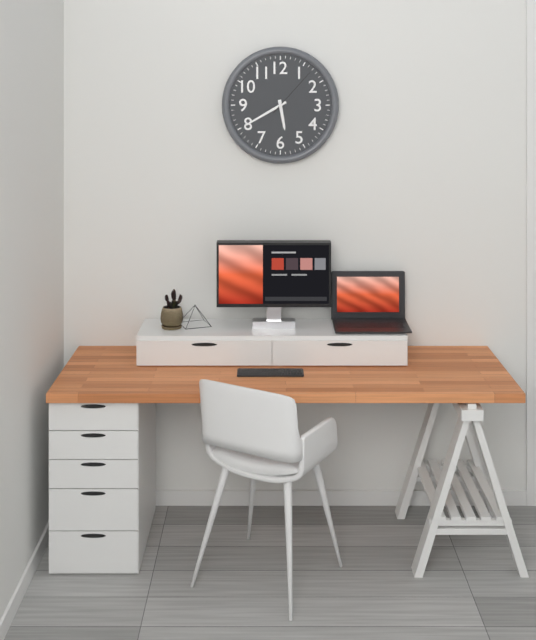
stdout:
5h40m07s
